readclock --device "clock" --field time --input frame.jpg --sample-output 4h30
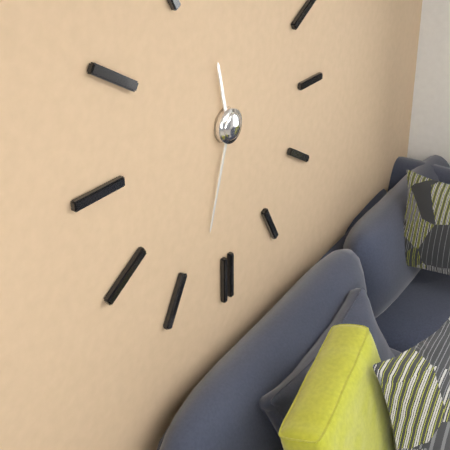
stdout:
11h33
